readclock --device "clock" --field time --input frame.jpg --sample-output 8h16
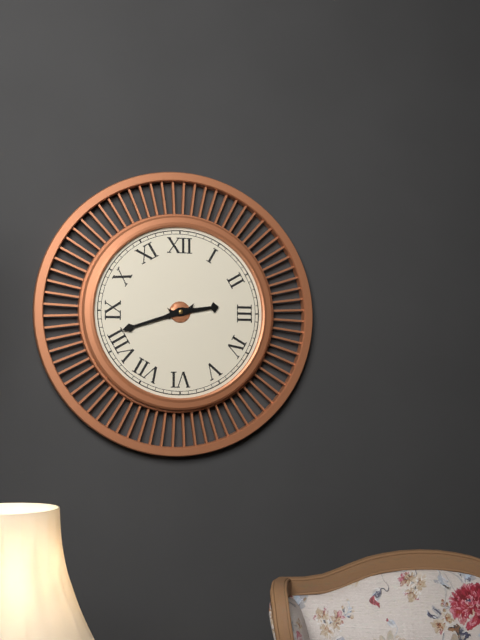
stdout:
2h42
